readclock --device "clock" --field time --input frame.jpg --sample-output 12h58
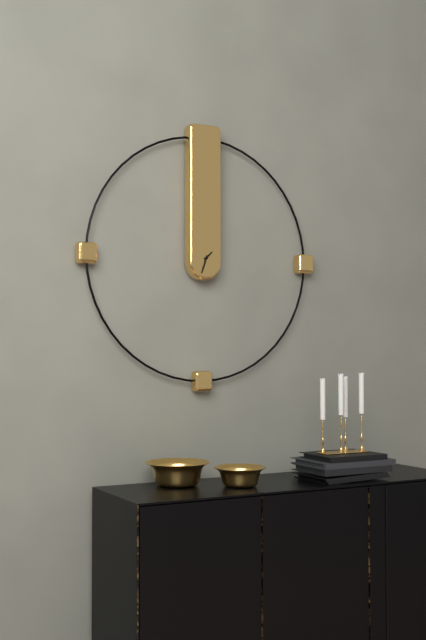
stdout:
1h33
